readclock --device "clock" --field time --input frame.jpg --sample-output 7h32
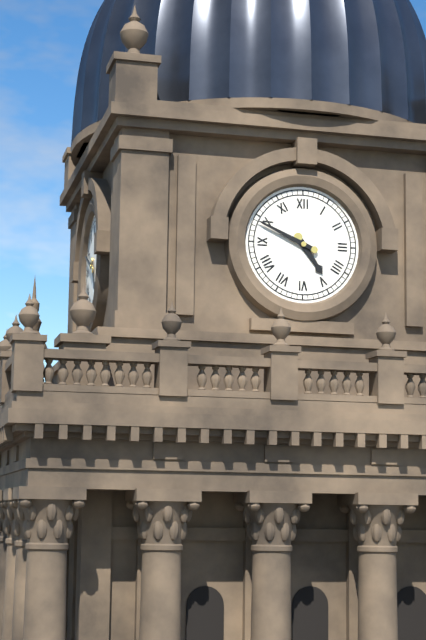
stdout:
4h49
